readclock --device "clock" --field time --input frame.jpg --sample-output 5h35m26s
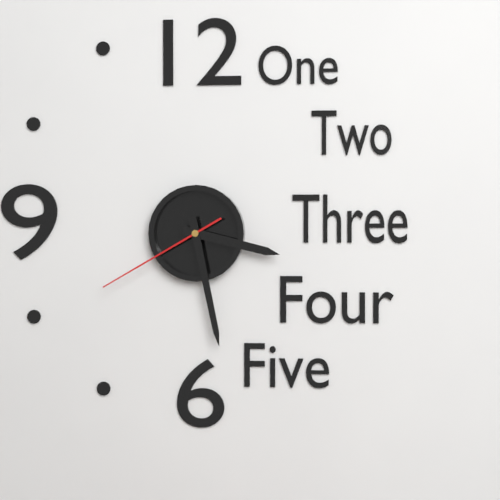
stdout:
3h28m40s
